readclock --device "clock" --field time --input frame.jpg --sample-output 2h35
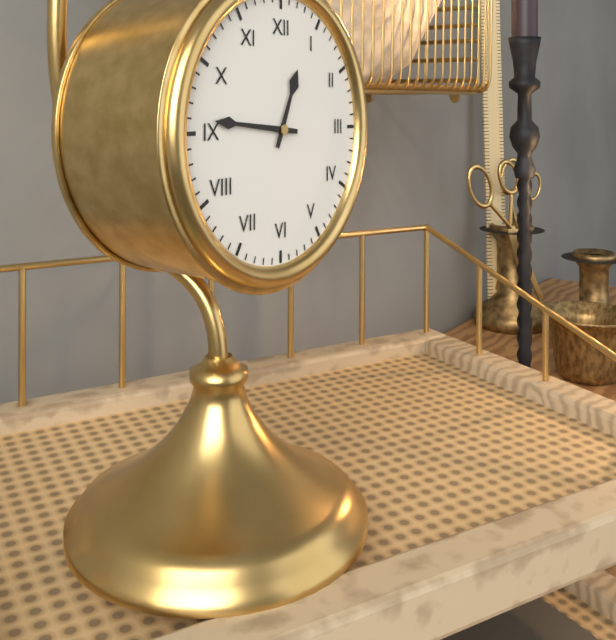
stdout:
12h46
